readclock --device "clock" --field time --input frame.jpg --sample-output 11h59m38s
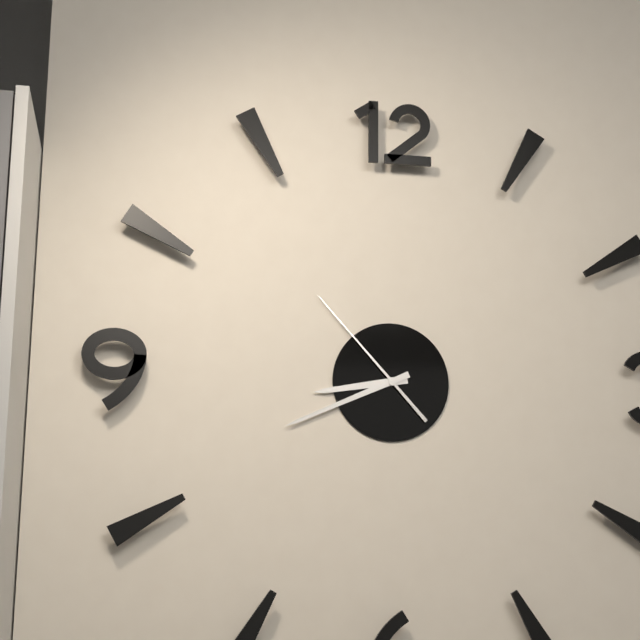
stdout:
8h41m53s
